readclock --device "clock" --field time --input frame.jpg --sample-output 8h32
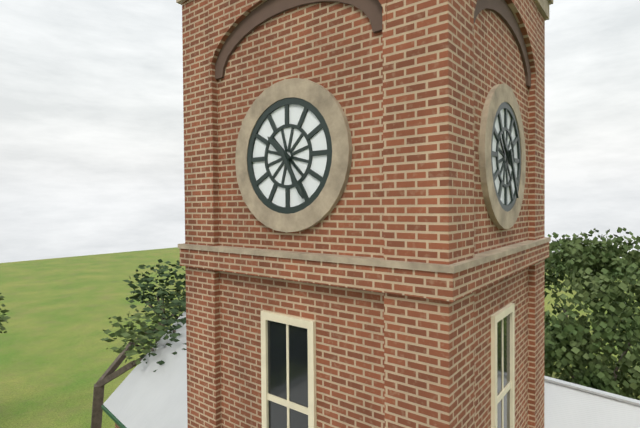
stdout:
10h25
